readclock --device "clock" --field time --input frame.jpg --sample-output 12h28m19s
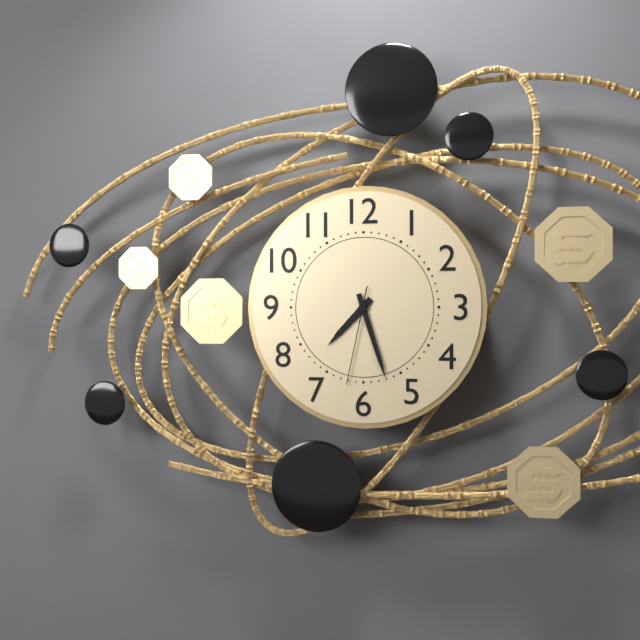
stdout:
7h27m32s
